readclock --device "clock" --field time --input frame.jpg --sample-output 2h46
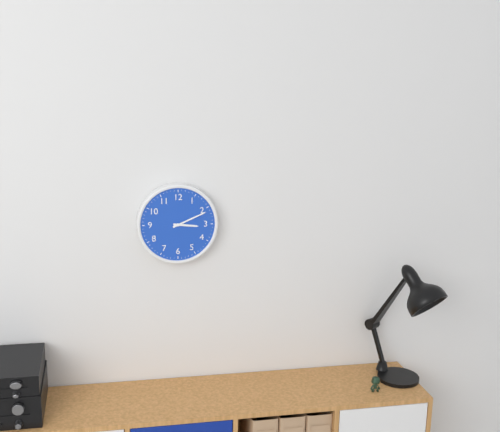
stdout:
3h11
